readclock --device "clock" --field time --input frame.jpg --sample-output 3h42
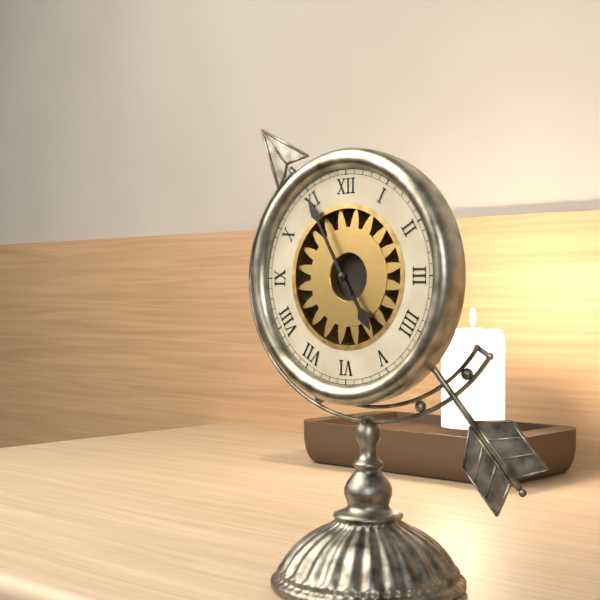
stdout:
4h55
